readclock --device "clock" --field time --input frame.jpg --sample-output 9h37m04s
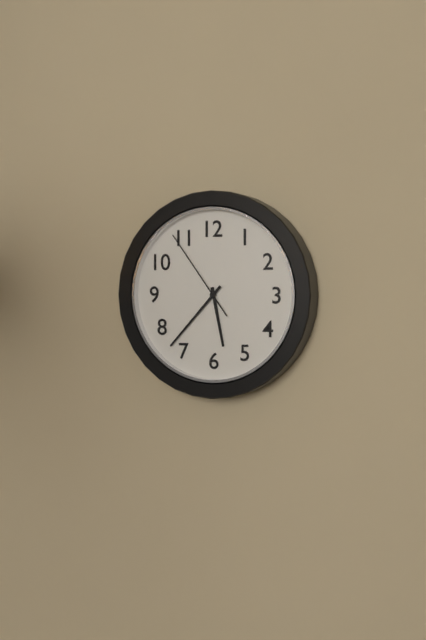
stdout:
5h37m54s
